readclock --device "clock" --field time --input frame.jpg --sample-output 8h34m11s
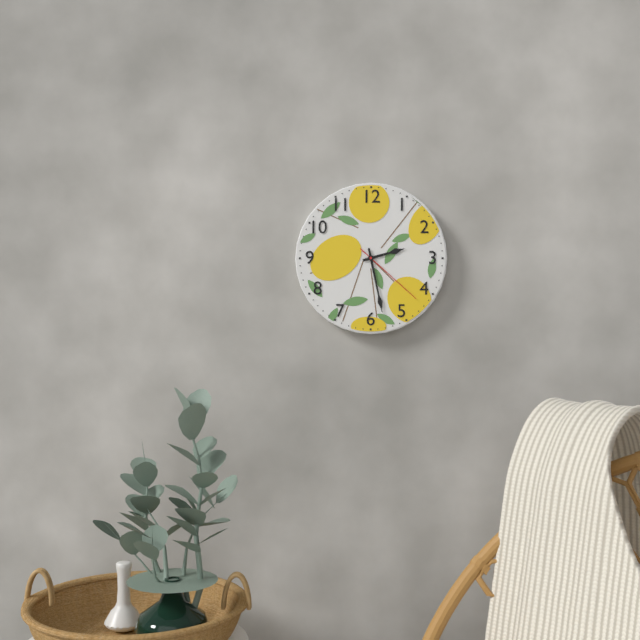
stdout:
2h28m22s
